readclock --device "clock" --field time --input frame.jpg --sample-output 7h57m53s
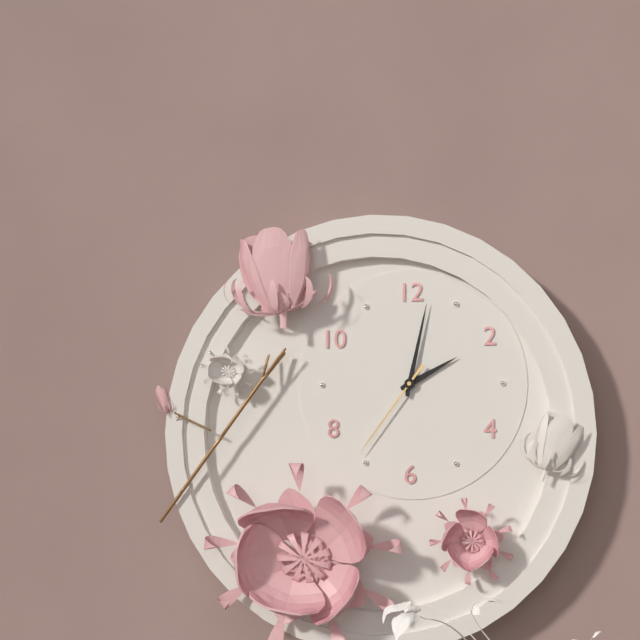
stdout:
2h02m36s
